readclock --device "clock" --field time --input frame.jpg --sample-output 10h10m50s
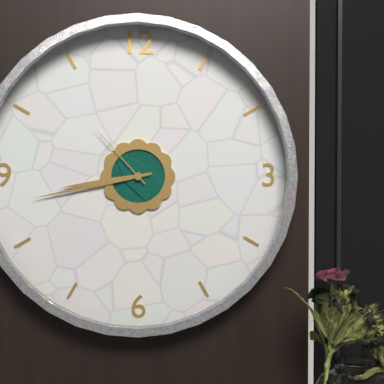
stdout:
8h43m53s
